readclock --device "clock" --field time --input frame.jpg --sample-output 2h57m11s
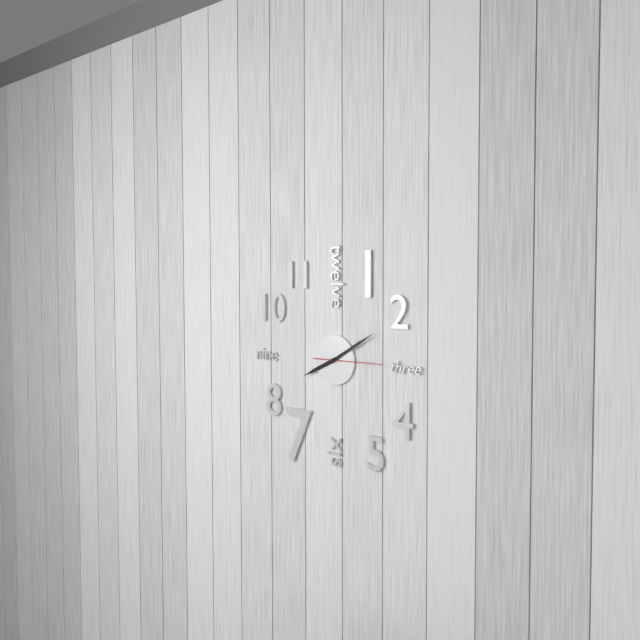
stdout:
8h10m15s
